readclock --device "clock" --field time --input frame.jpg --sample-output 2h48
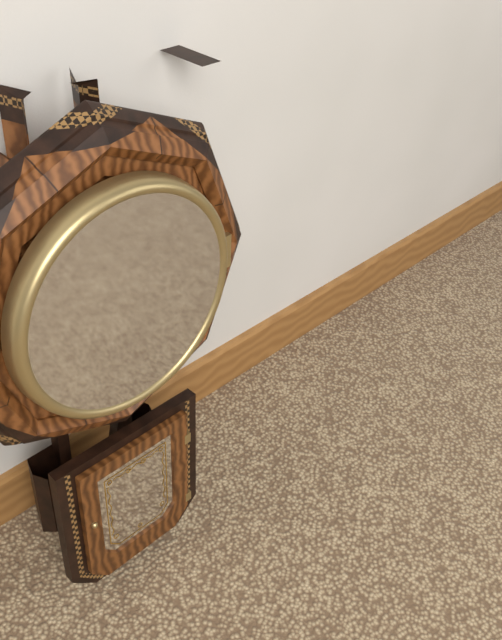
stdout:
10h06
